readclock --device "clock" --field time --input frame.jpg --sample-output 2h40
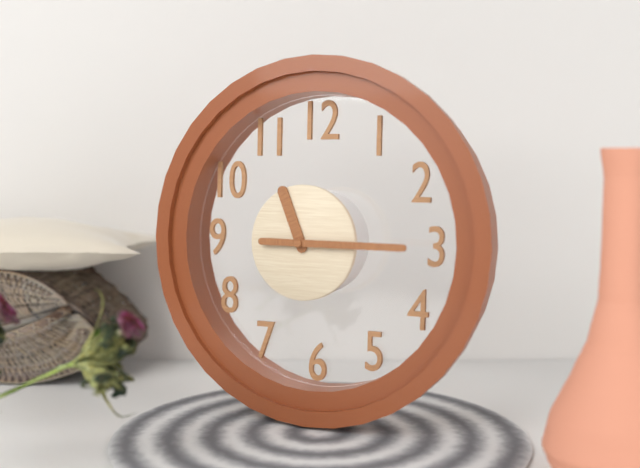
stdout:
11h15
